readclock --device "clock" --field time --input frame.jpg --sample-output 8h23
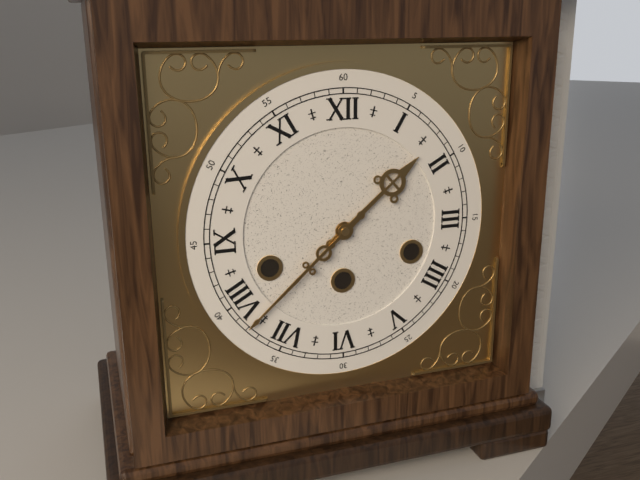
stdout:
1h38
